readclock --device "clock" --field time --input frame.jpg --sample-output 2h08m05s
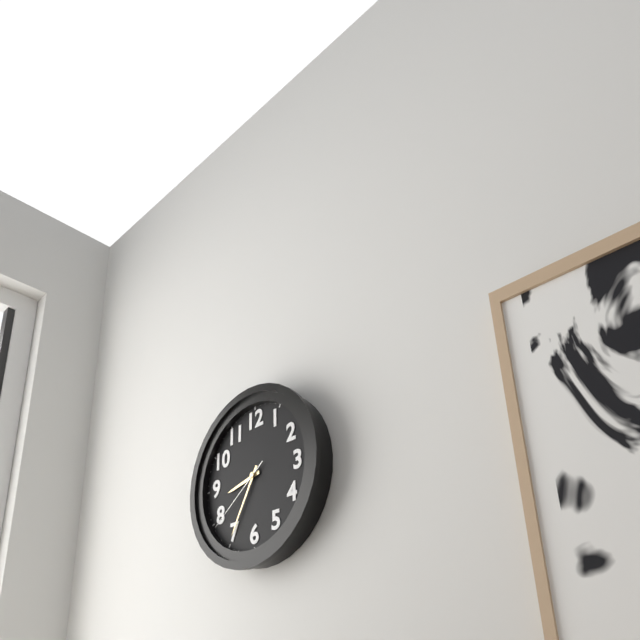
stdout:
8h35m39s
